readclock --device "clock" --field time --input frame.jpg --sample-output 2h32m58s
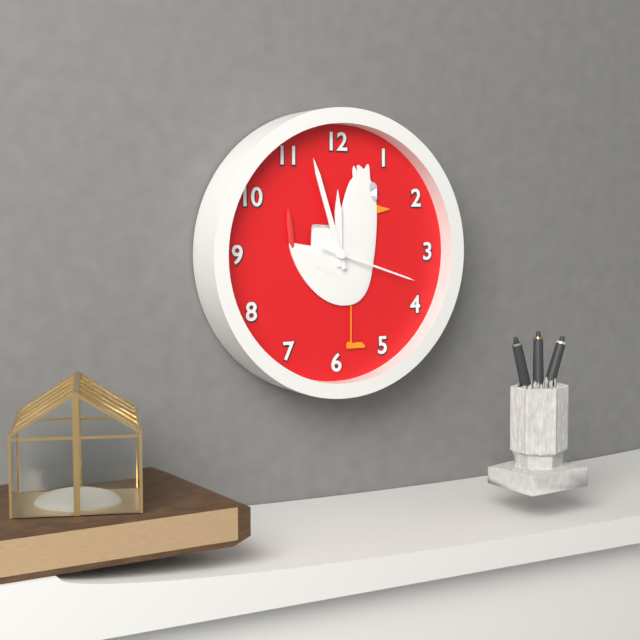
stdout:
11h57m18s
